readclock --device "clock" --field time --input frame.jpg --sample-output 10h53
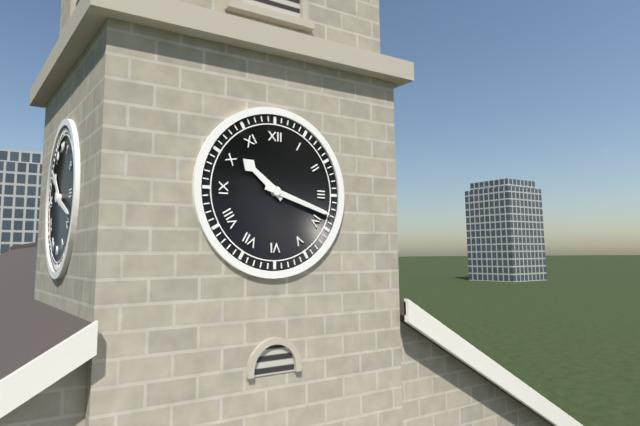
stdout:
10h18
